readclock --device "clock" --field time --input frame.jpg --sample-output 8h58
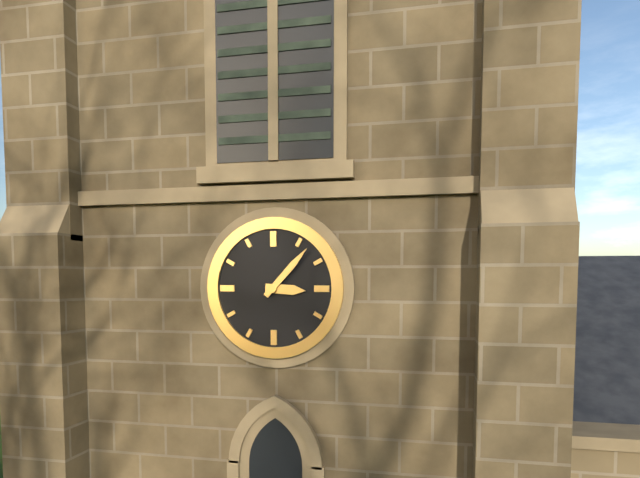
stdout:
3h07
